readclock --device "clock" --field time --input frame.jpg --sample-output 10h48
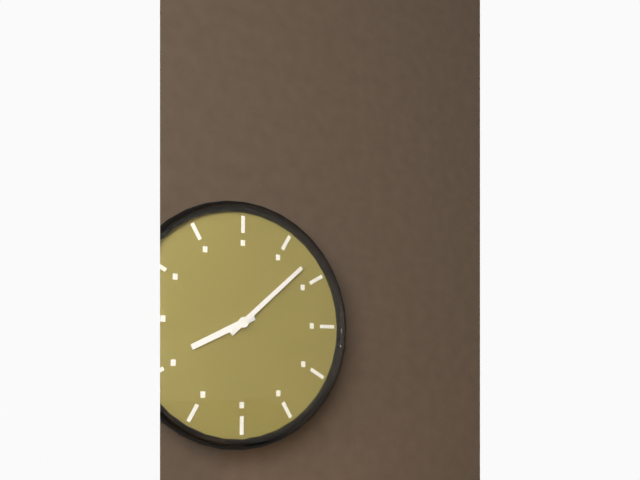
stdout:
8h08
